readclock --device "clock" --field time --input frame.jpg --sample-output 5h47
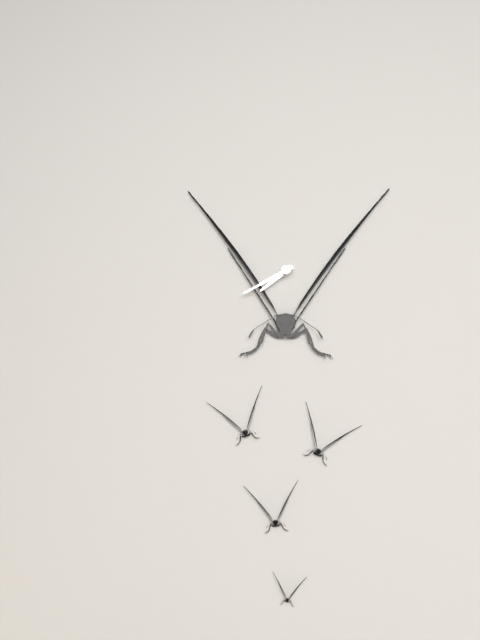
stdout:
7h40
